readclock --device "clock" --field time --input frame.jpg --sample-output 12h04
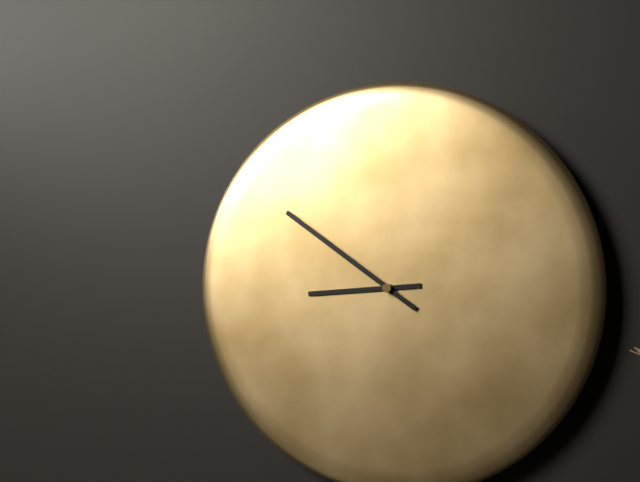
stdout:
8h51
